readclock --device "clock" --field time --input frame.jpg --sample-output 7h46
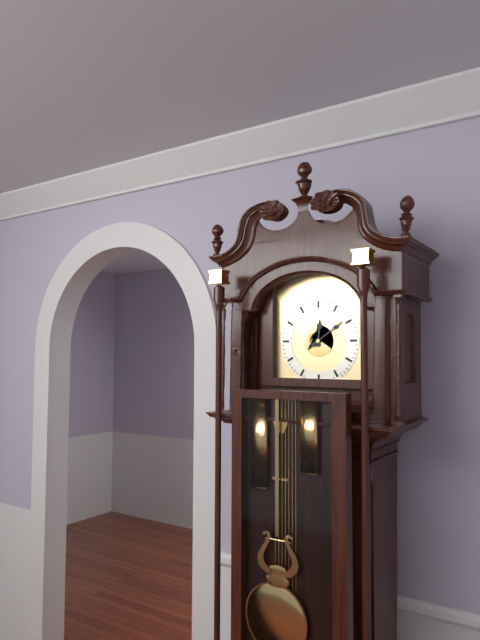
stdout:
12h09
